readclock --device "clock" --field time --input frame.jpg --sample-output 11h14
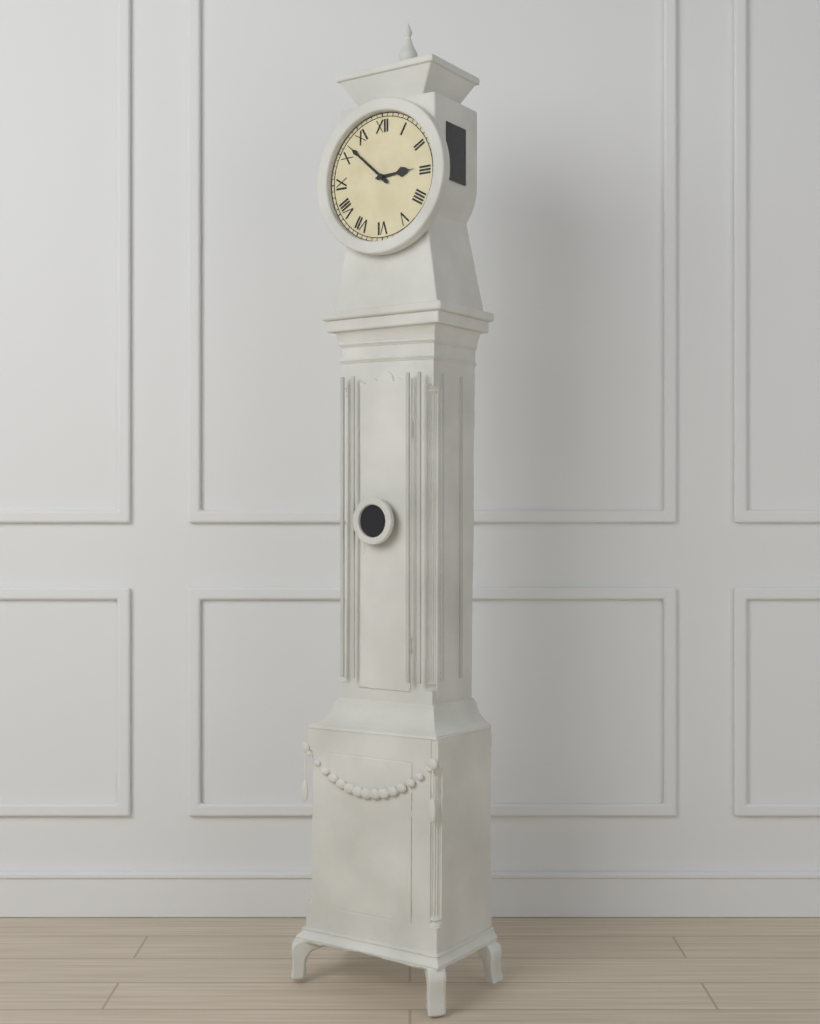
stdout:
2h52
